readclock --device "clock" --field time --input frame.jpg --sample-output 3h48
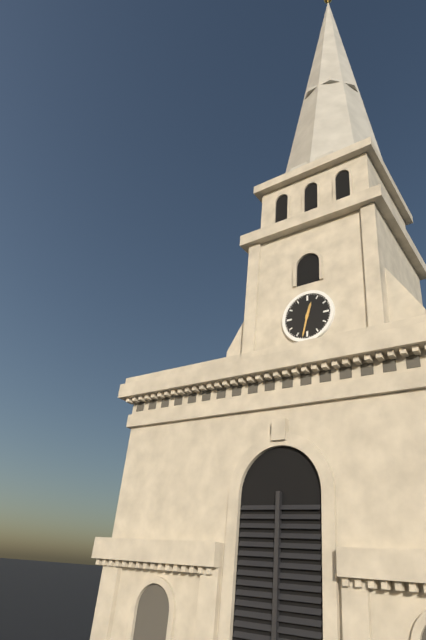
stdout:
12h32
